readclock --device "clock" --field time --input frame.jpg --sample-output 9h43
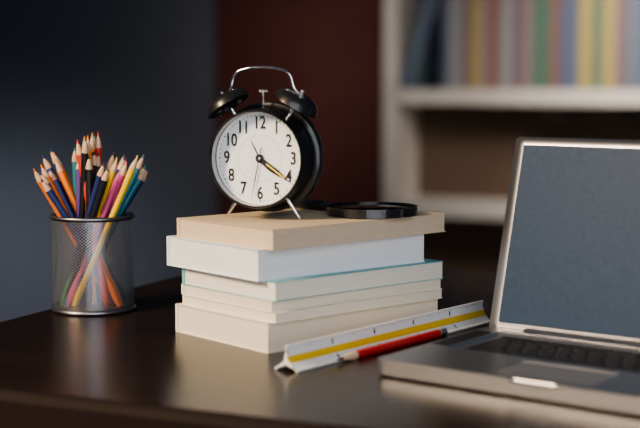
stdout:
4h21
